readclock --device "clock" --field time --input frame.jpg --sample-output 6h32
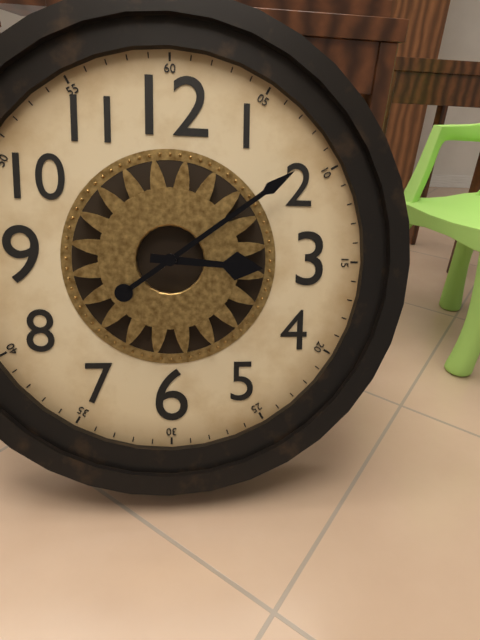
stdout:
3h09
